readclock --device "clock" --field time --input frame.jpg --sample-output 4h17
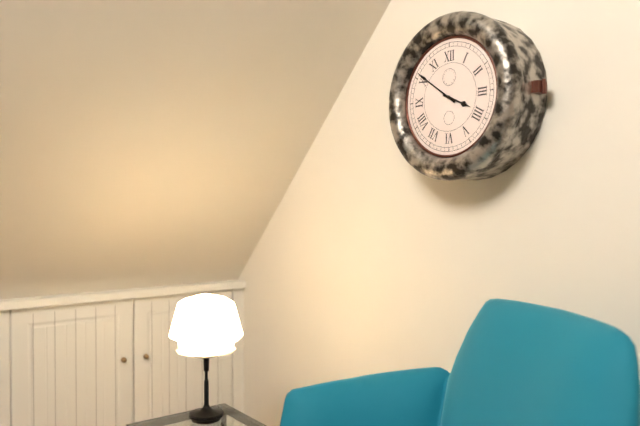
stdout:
3h51
